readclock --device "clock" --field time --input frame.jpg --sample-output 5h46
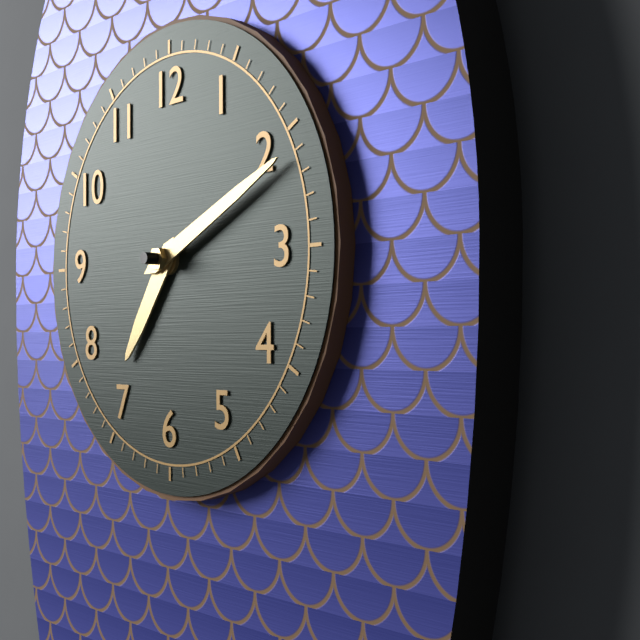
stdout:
7h11
